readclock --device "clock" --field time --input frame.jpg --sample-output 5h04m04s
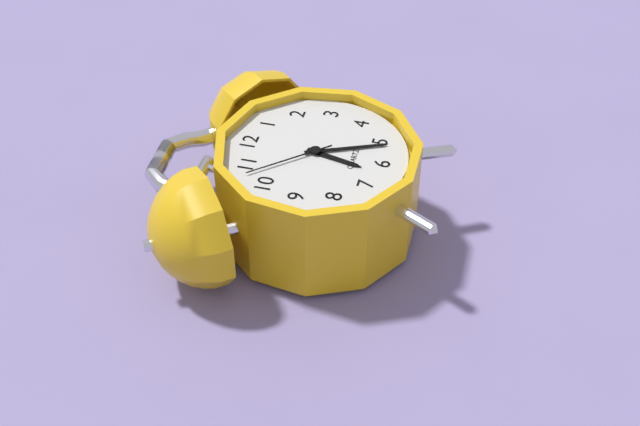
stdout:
6h26m53s
